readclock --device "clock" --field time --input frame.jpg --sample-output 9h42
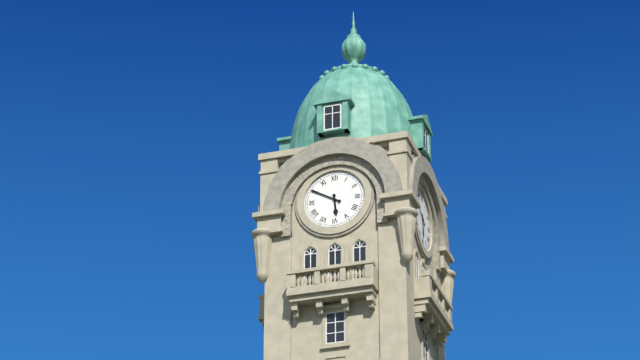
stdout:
5h50
